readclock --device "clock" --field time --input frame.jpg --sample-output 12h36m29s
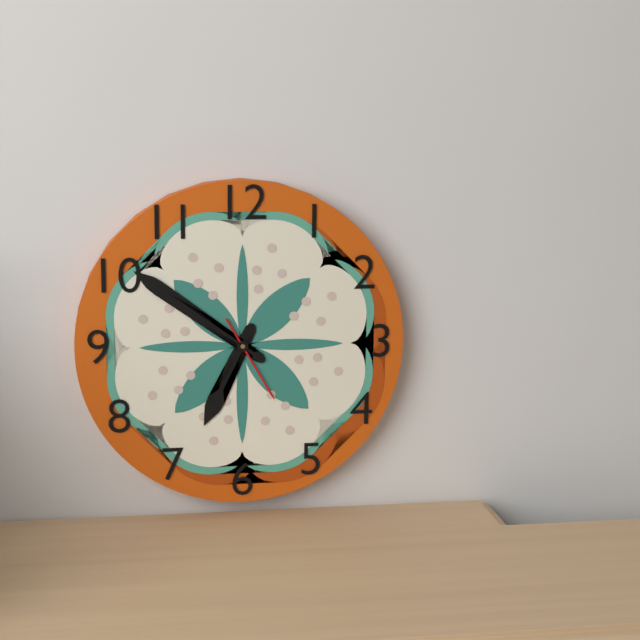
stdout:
6h51m25s
